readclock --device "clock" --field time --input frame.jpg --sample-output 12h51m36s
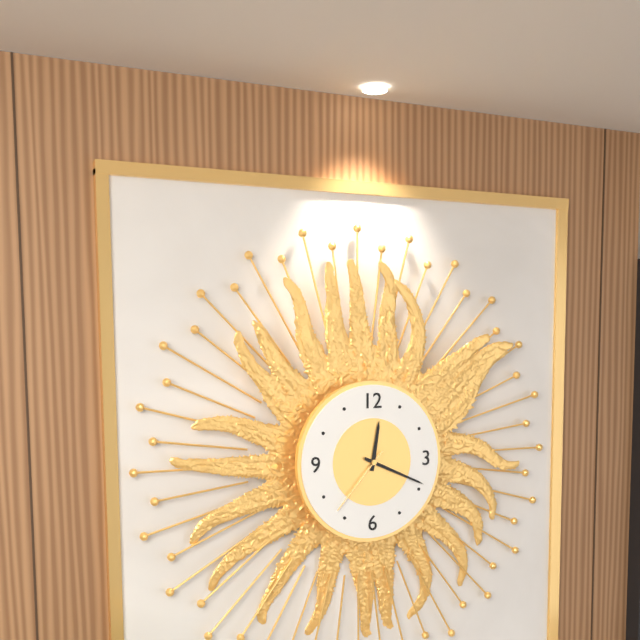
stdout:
12h19m37s
